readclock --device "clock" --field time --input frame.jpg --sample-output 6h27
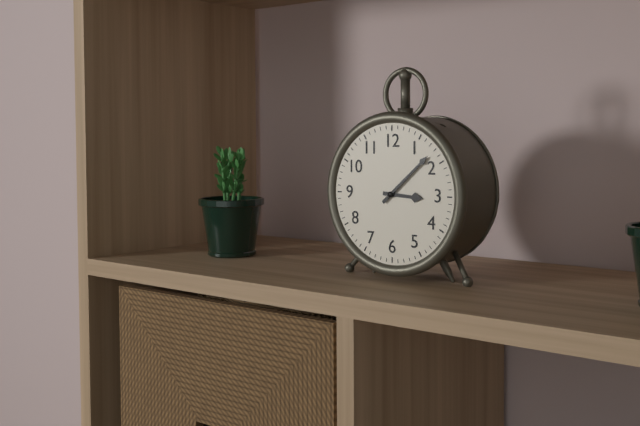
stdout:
3h08
